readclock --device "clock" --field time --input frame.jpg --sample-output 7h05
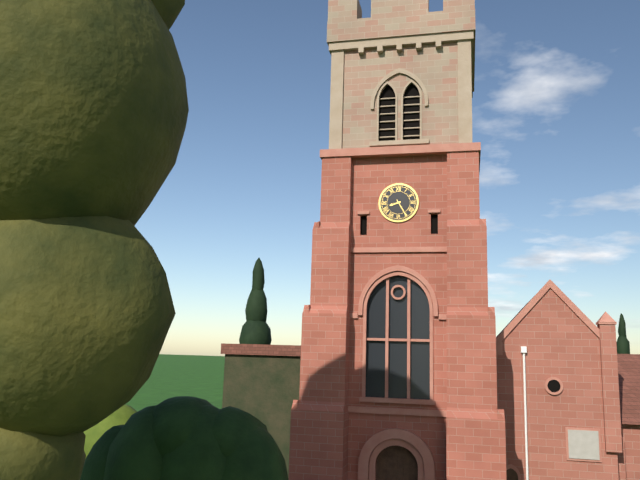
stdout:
8h25
